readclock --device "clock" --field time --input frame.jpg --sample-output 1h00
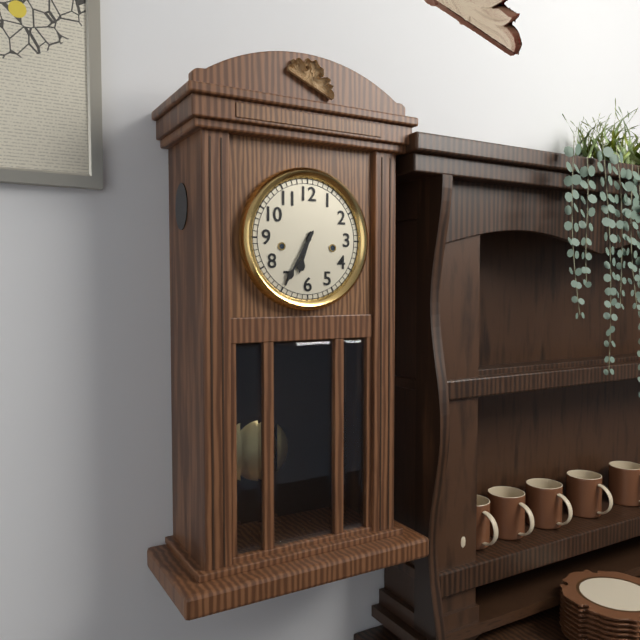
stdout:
6h35
